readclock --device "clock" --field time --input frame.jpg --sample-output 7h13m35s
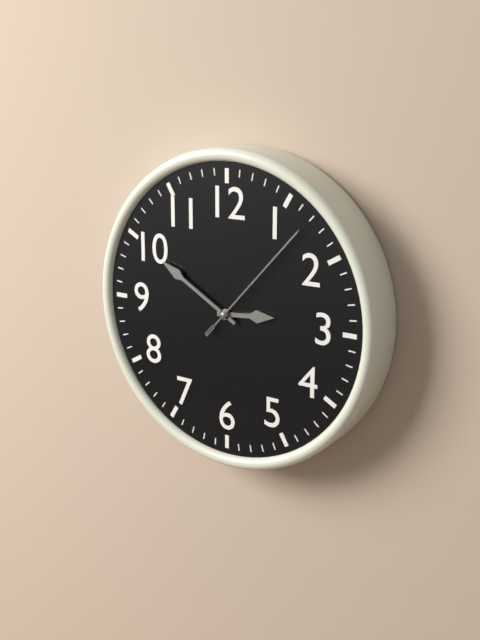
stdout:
2h50m07s
